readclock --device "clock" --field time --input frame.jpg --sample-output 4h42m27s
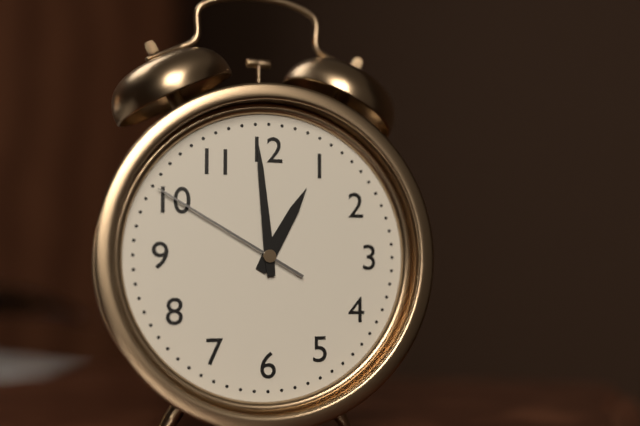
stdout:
12h59m50s
